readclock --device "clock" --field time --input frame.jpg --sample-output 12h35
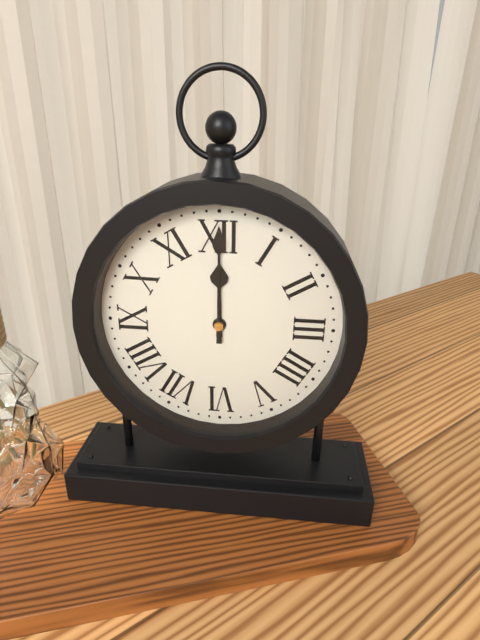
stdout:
12h00
